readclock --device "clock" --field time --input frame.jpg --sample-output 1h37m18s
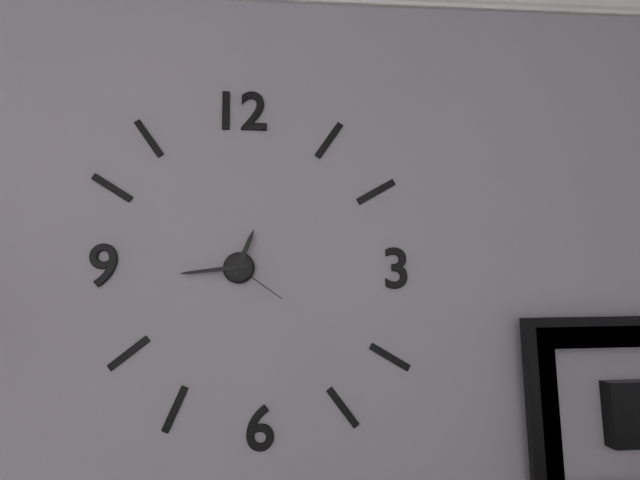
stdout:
12h44m21s
